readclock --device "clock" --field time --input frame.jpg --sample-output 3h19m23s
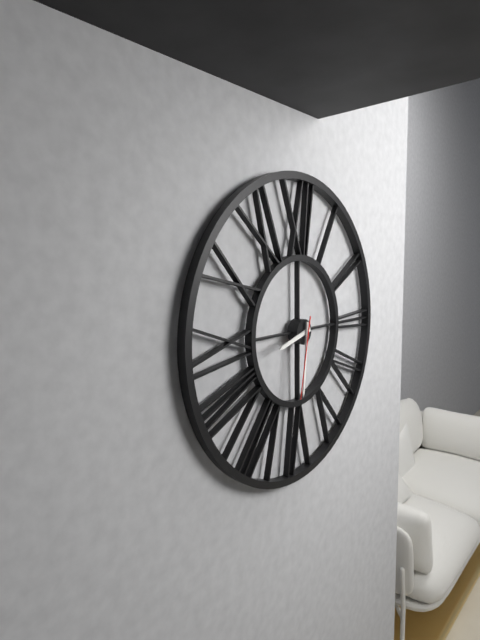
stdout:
8h31m32s
